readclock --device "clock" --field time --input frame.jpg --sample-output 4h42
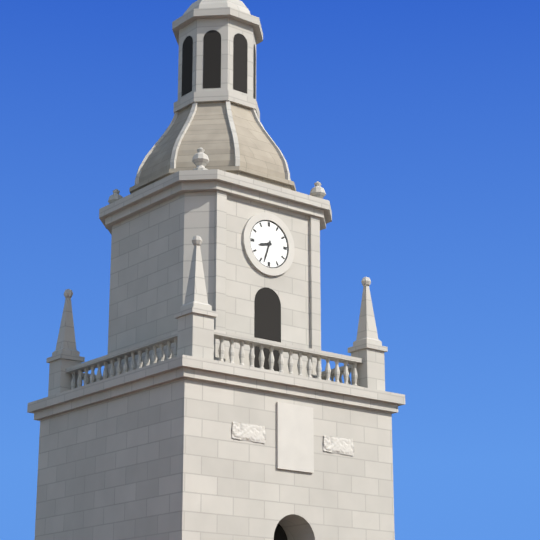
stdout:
8h33
